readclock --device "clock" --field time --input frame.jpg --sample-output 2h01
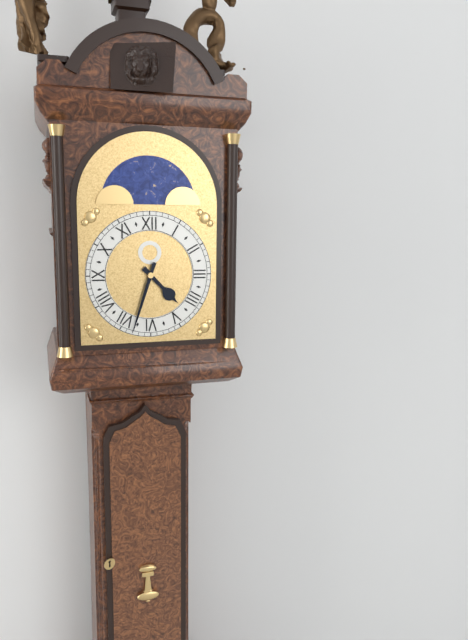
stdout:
4h33
